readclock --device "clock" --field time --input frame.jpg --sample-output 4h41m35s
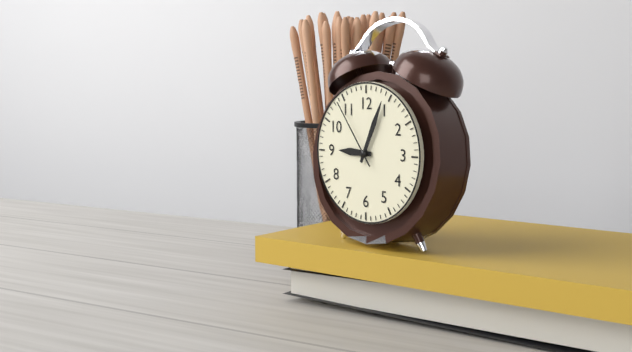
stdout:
9h04m54s
